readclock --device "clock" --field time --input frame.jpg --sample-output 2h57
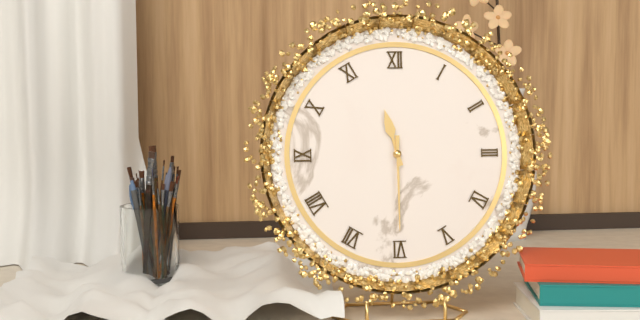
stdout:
11h30
